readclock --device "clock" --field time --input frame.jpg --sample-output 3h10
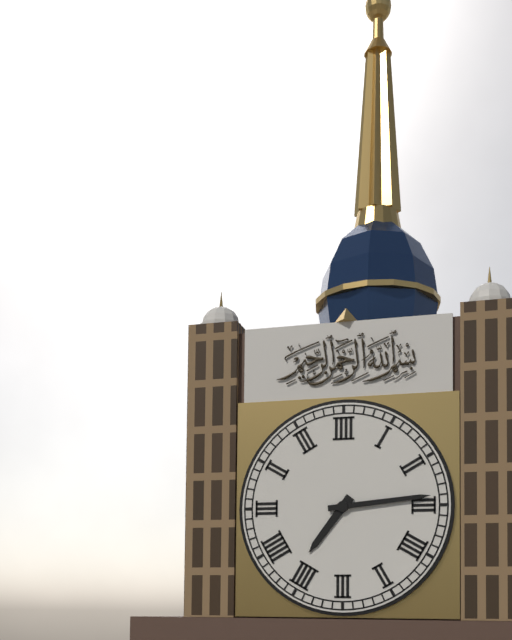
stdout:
7h14
